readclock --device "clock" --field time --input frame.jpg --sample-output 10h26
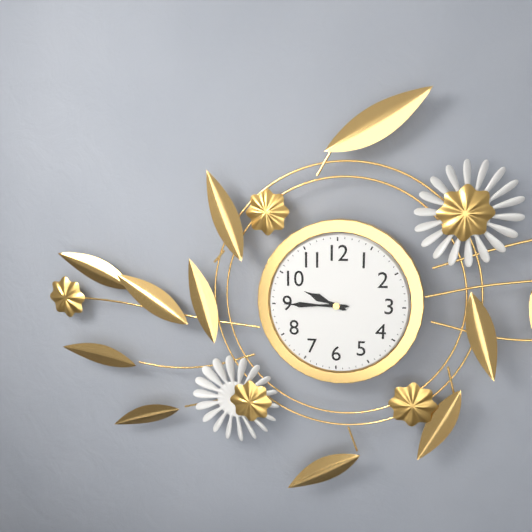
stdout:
9h45
